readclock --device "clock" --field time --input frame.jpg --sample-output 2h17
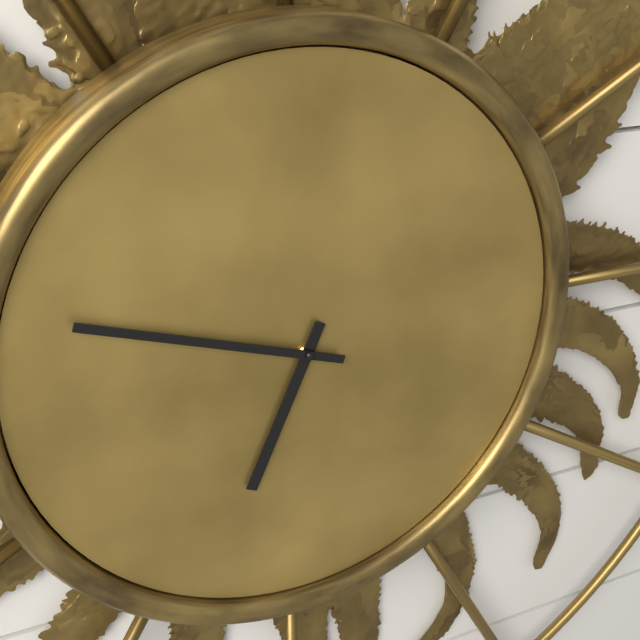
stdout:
6h48
